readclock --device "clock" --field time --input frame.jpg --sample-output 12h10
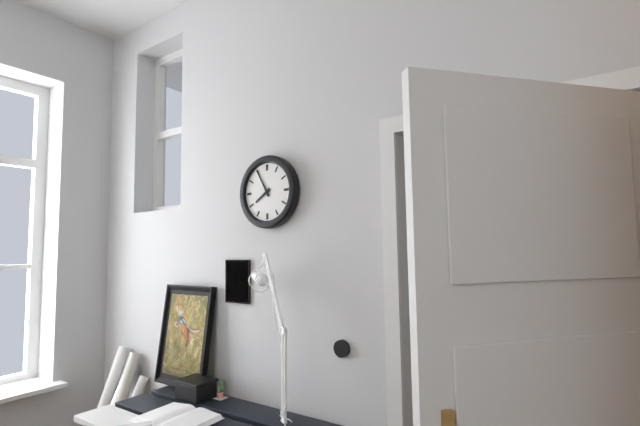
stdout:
7h55
